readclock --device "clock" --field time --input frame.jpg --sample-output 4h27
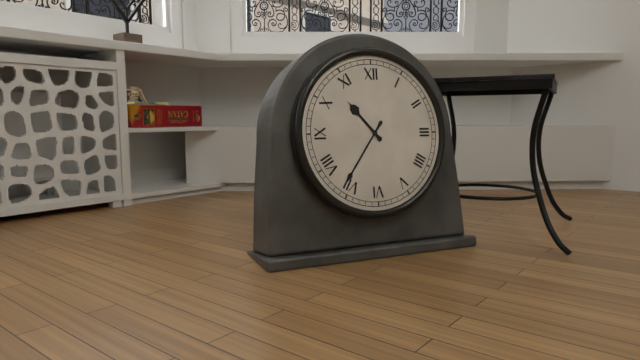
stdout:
10h36
